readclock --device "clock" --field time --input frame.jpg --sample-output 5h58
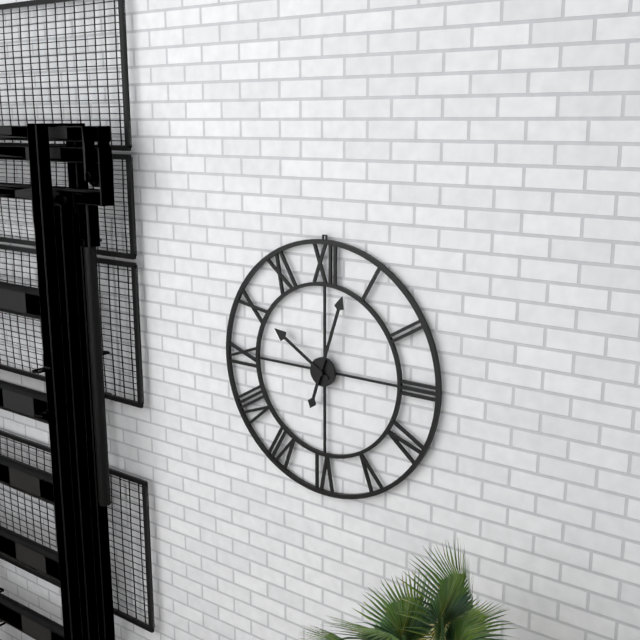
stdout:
10h03
